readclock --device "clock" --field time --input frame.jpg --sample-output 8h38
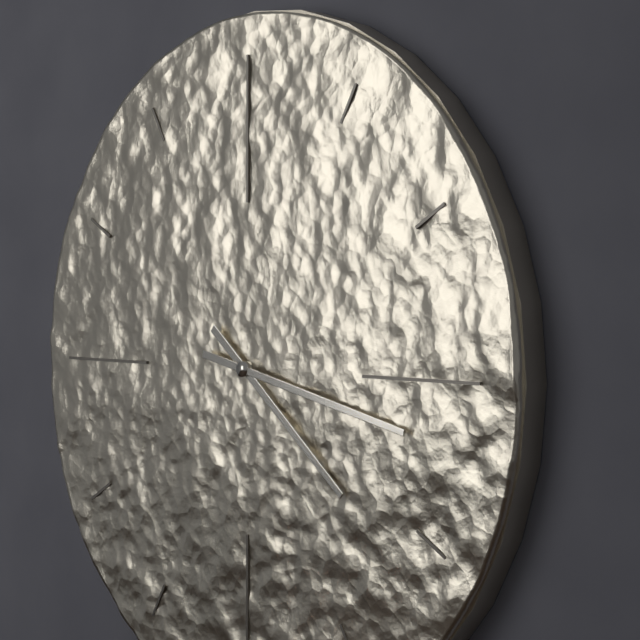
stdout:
4h17
